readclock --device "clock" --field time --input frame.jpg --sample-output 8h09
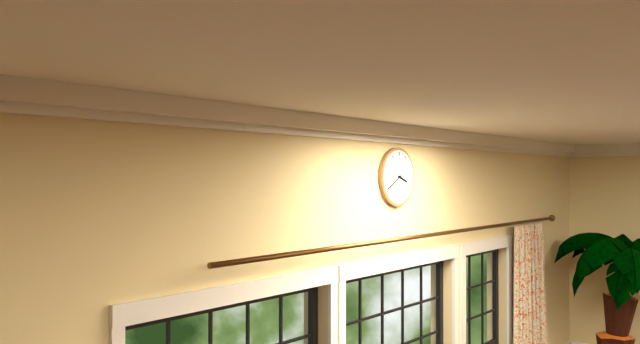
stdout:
3h40
